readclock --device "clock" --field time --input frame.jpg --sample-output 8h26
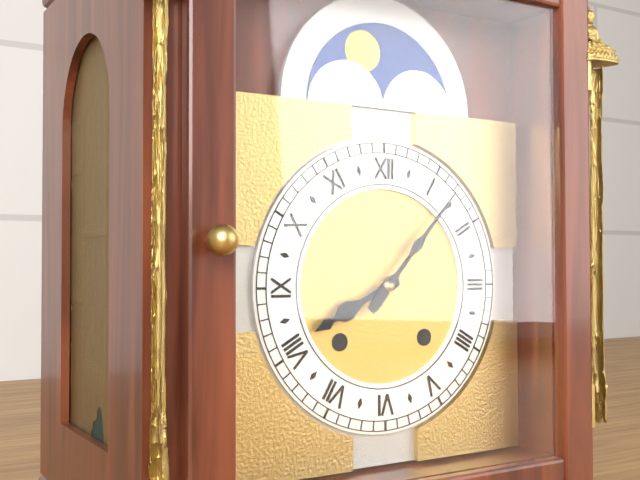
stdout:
8h07
